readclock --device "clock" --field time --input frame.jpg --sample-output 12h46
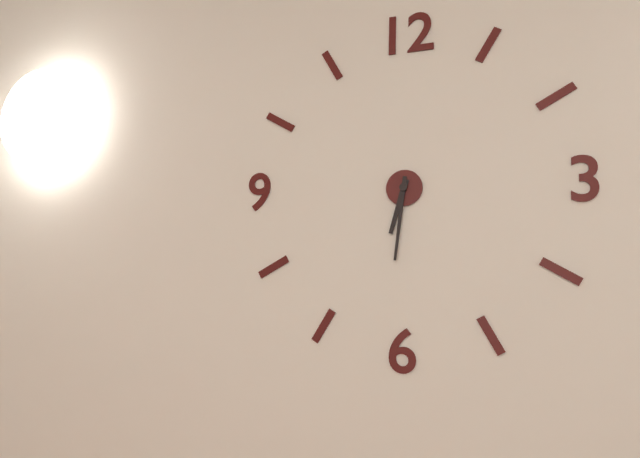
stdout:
6h31
